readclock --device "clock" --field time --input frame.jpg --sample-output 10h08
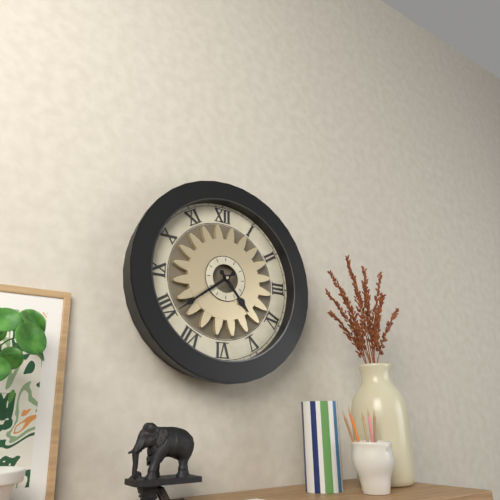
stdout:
4h39
